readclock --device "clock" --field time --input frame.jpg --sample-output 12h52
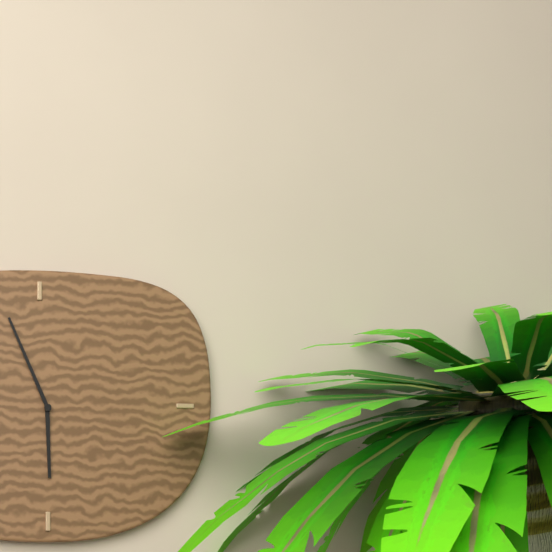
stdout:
5h56
